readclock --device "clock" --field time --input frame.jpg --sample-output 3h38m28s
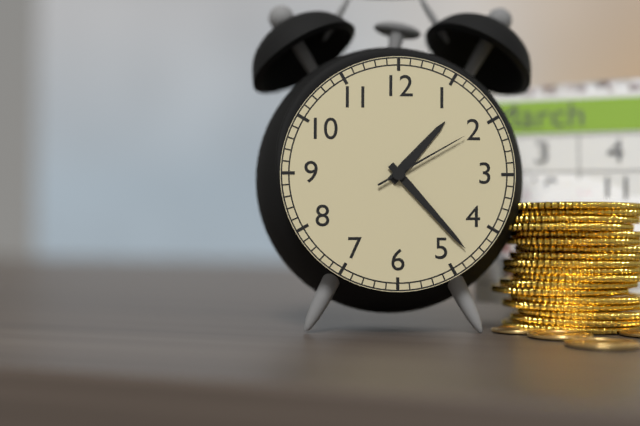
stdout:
1h23m10s
